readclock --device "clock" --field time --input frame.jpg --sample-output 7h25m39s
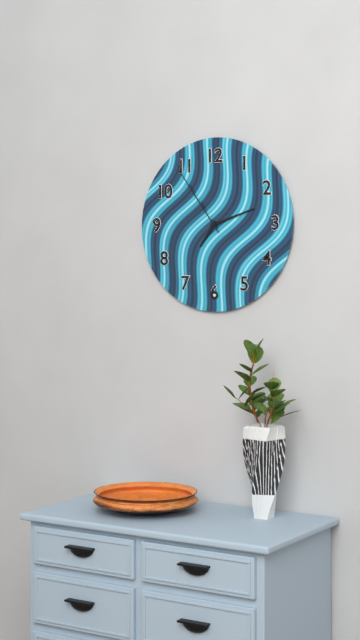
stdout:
7h12m54s
